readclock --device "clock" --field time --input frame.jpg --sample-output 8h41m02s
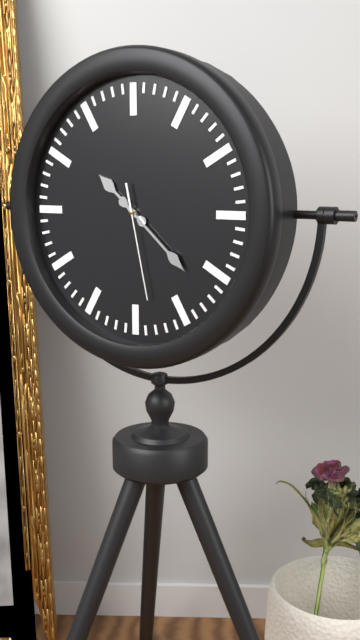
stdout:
10h22m28s
